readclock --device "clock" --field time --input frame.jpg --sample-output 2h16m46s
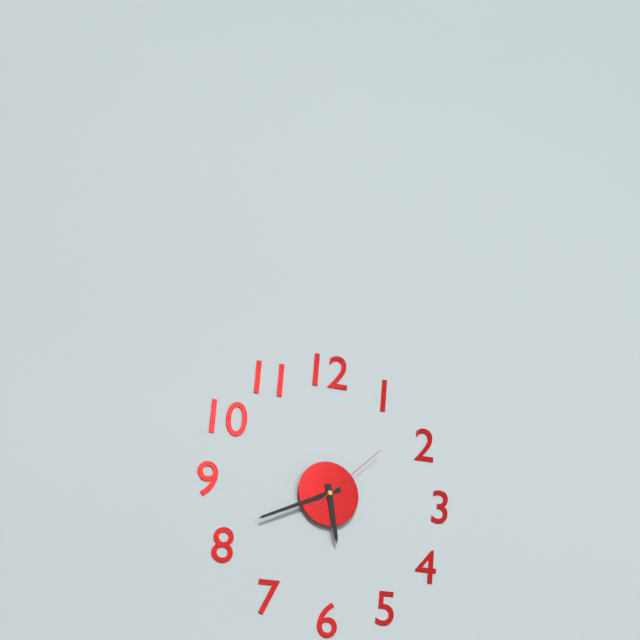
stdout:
5h41m08s
